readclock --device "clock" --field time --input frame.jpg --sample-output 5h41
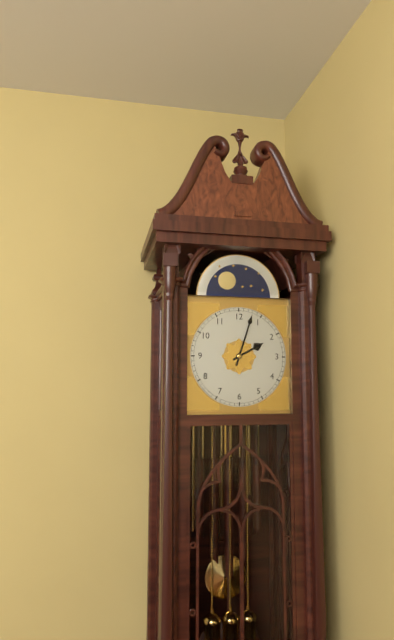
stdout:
2h03
